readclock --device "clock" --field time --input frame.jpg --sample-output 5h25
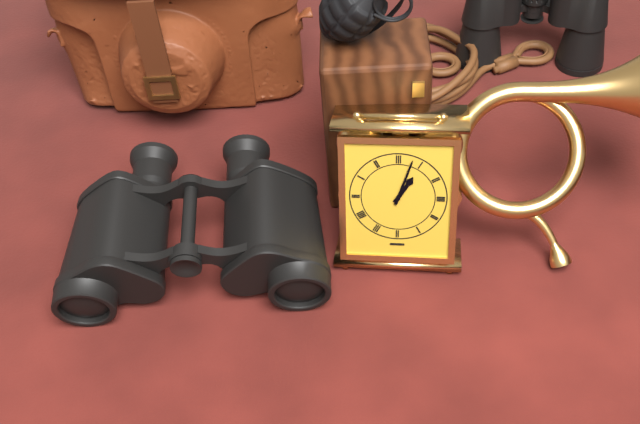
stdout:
1h03
